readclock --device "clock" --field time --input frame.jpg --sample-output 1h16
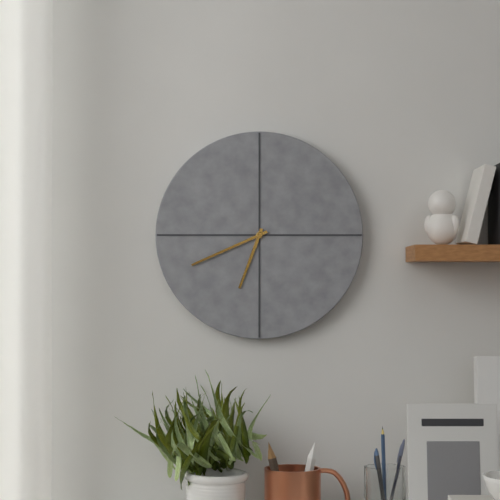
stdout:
6h41
